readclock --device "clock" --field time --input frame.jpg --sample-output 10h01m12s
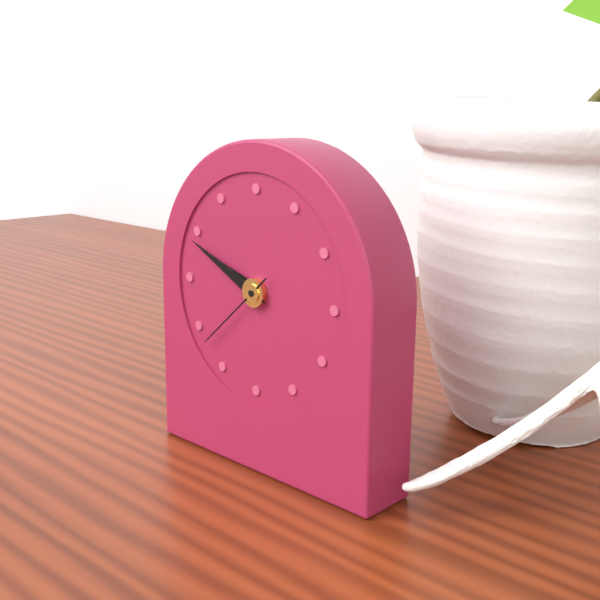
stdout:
9h49m38s
